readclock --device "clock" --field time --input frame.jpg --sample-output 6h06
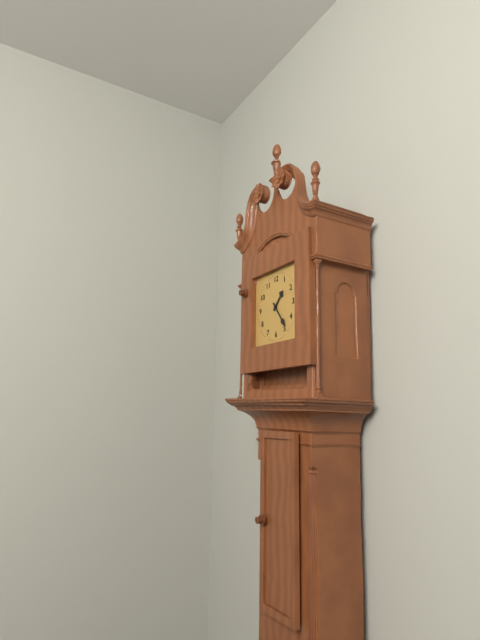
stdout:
1h24
